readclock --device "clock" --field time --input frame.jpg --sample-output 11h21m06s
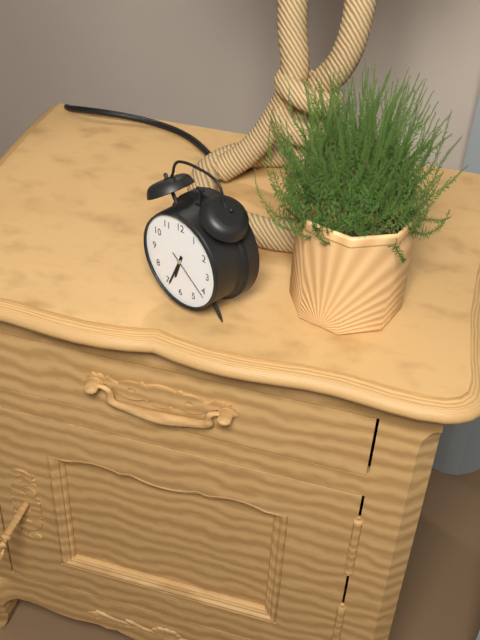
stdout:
6h34m21s
